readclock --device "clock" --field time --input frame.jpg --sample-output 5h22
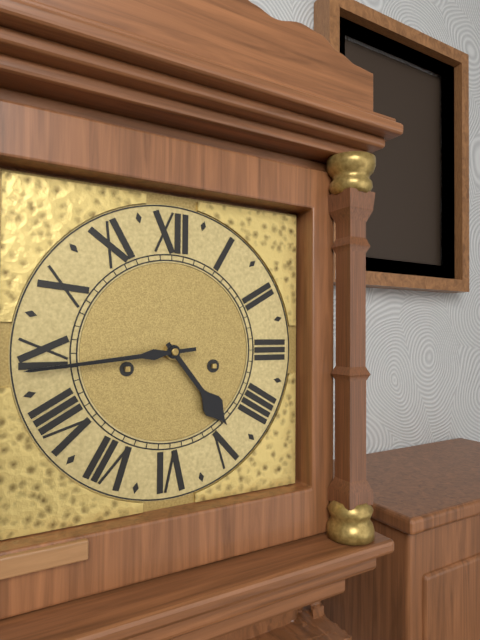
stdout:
4h44
